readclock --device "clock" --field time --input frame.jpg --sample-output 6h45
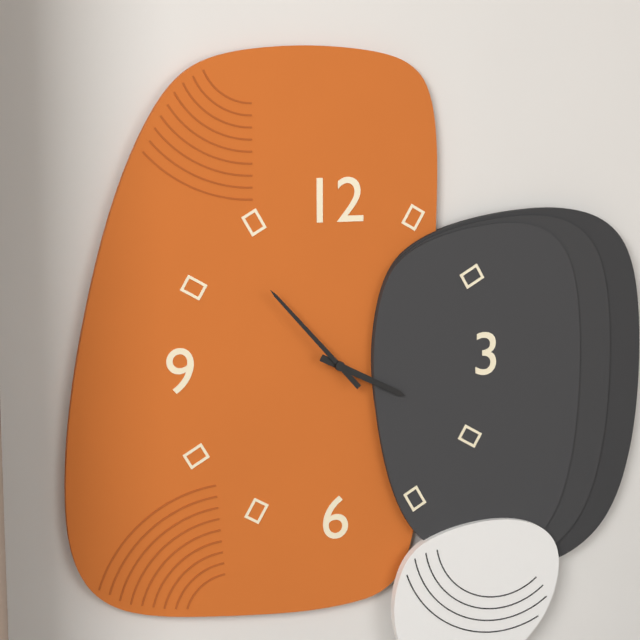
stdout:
3h53
